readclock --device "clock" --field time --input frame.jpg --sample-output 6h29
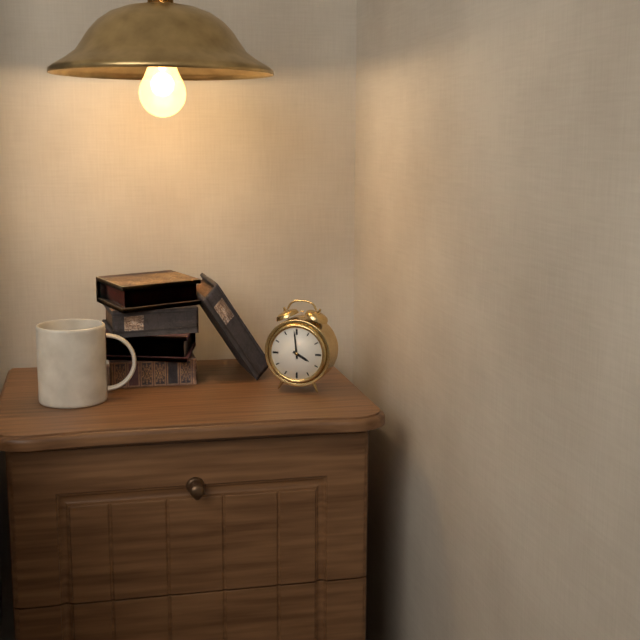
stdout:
3h59
